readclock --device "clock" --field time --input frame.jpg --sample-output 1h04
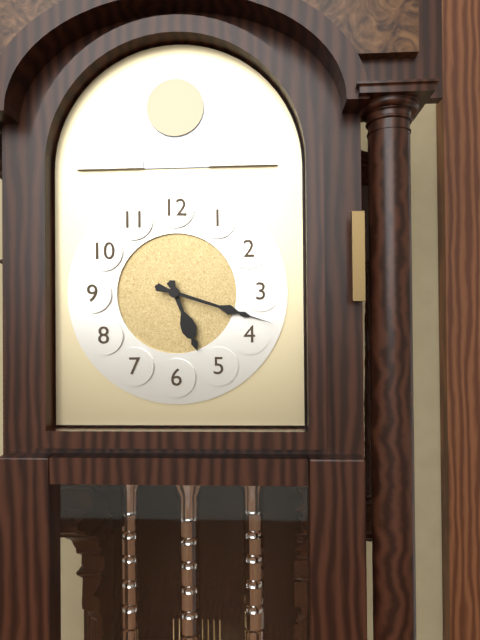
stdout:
5h18
